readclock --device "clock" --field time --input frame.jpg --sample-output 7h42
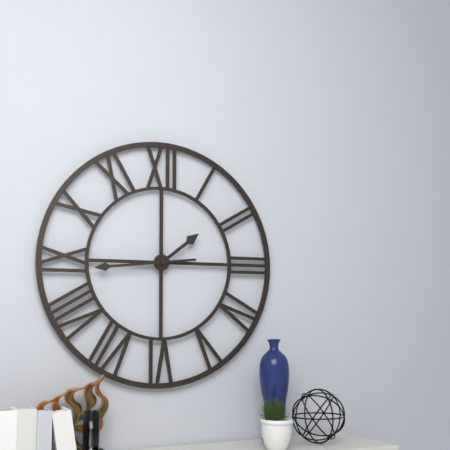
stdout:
1h44
